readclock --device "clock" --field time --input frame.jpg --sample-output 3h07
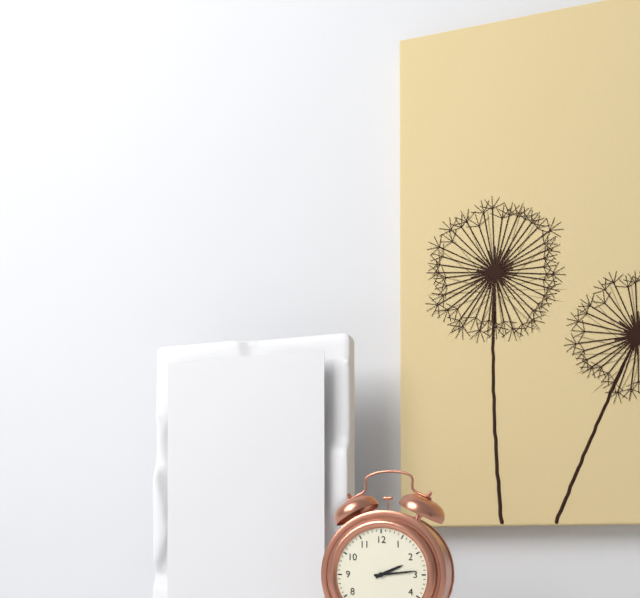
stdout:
2h14
